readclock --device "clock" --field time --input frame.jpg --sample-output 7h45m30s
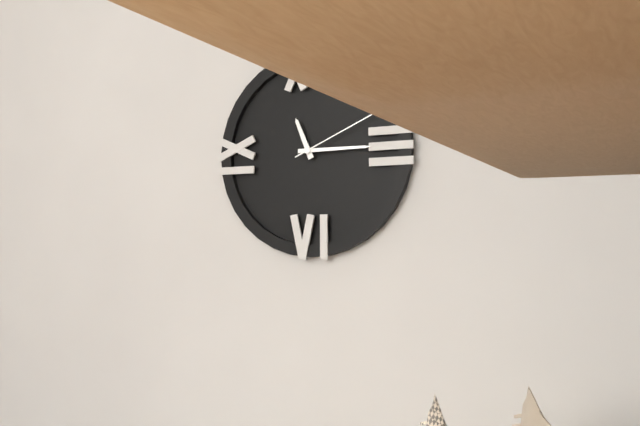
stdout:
11h15m11s
